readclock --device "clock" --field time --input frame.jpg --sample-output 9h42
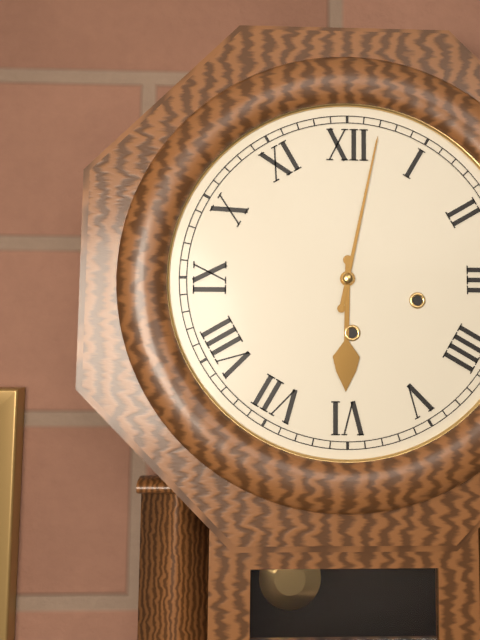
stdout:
6h02
